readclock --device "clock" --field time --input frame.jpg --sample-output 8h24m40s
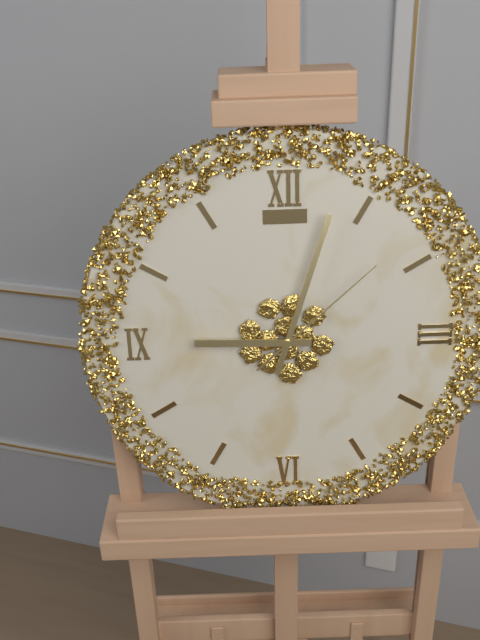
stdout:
9h03m08s
